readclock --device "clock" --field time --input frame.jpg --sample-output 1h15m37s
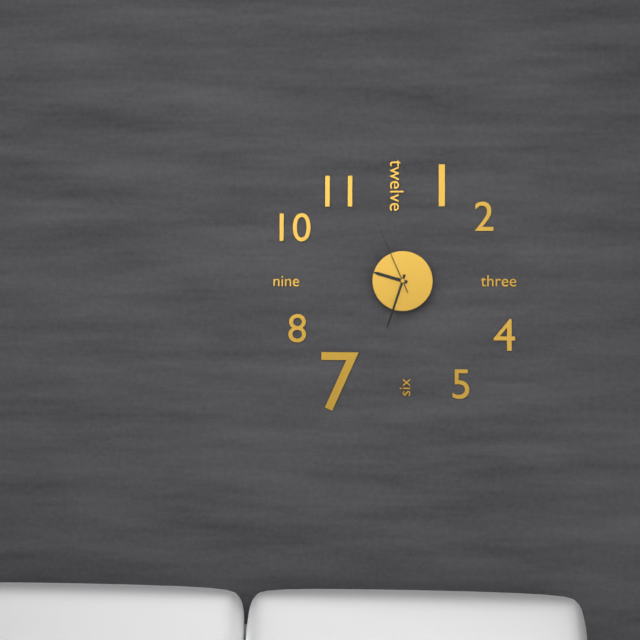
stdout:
9h33m56s
